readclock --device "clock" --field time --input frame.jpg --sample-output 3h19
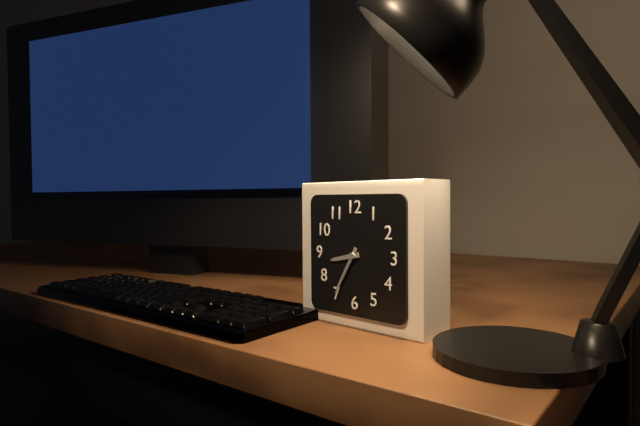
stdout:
8h35
